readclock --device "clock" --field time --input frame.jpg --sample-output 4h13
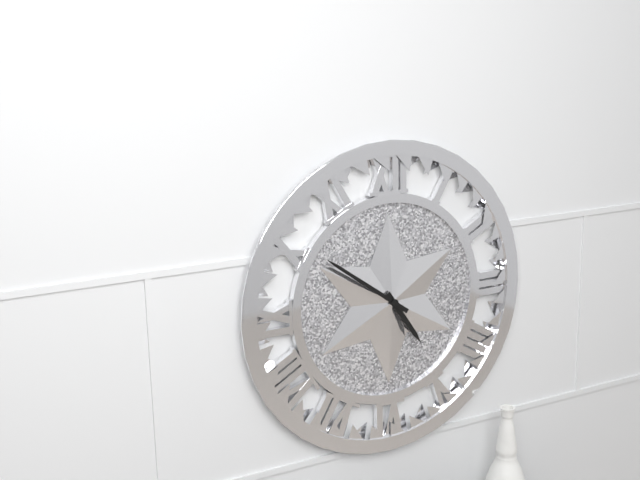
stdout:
4h51
